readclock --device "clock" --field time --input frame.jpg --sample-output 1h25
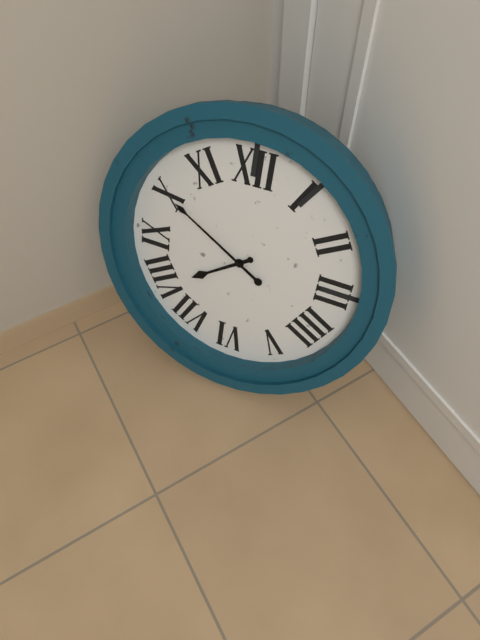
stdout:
7h50
